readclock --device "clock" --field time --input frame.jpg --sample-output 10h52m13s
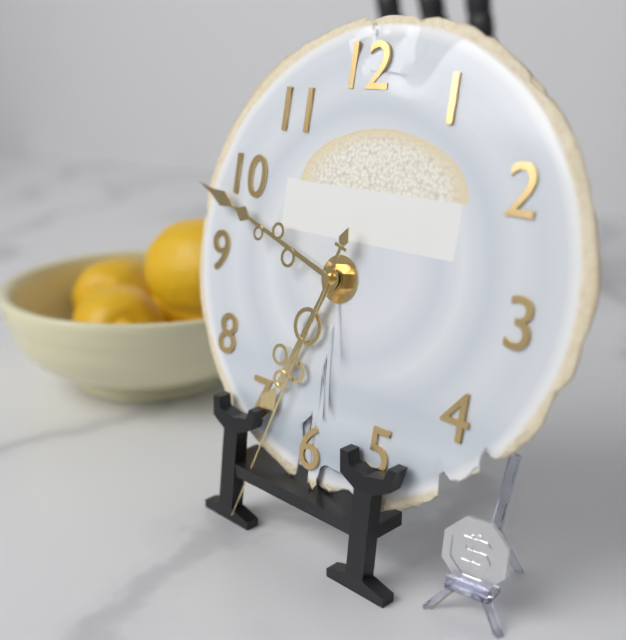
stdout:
6h48m33s
